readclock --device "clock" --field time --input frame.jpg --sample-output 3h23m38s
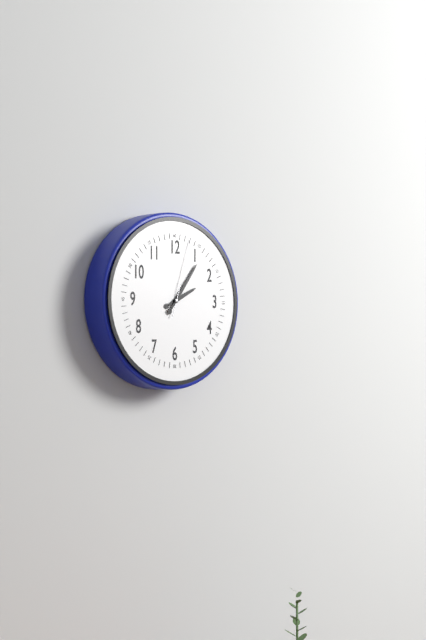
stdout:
2h06m03s
